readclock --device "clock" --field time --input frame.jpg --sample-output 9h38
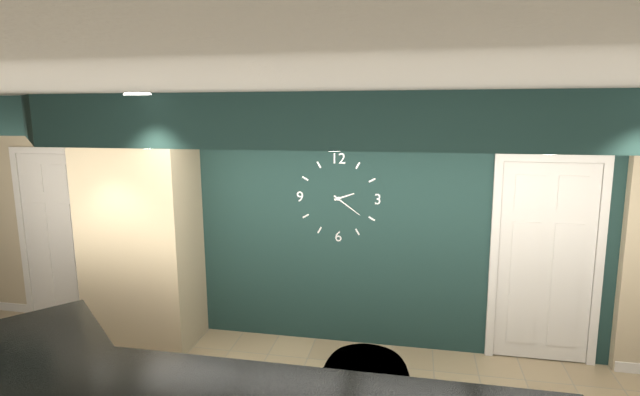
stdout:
2h21
